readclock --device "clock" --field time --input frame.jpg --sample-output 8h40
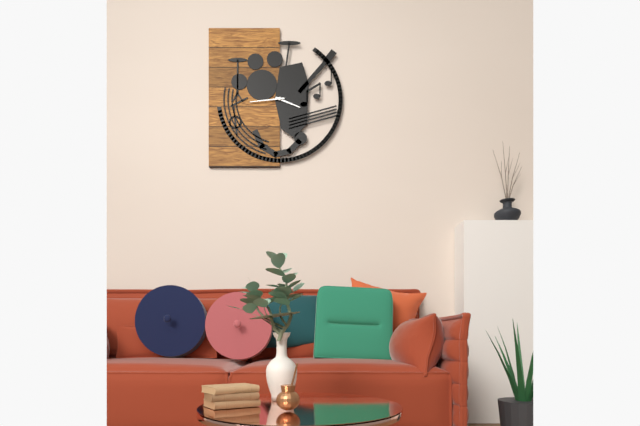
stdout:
3h44
